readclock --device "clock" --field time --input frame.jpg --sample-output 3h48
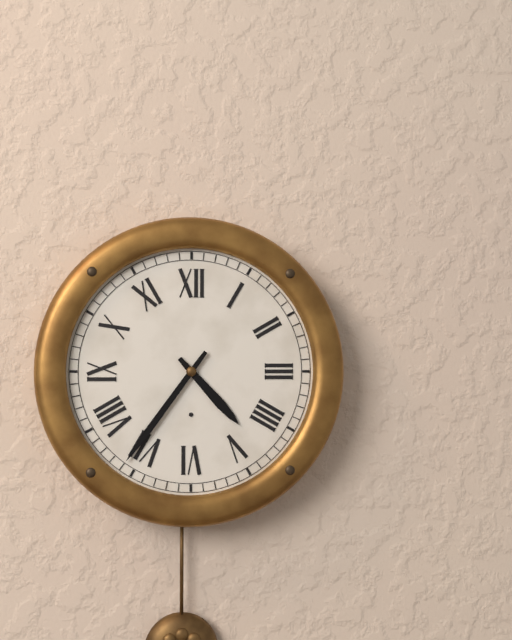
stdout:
4h36
